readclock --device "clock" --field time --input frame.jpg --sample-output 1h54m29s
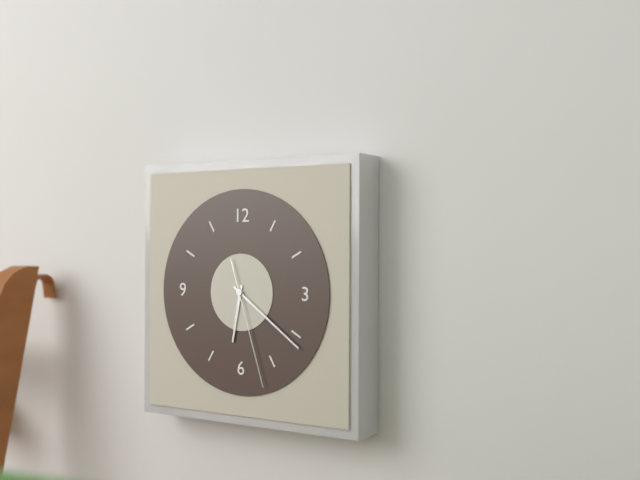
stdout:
6h21m27s
